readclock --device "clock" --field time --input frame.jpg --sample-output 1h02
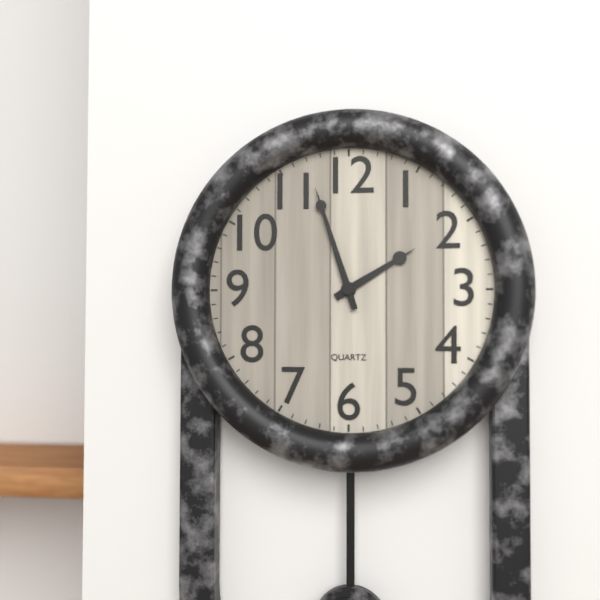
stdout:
1h57
